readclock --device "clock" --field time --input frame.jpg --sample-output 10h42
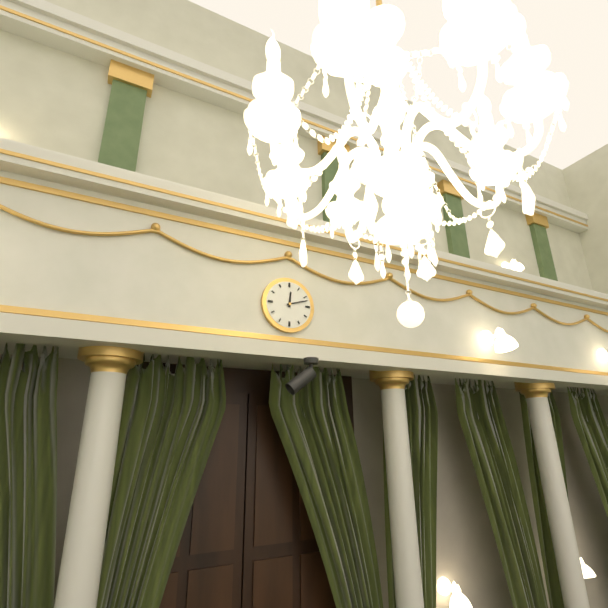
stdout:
12h12
